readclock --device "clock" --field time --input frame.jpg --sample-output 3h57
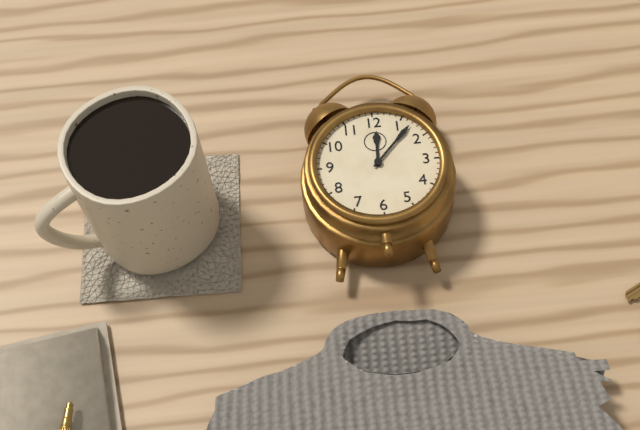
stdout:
12h07
